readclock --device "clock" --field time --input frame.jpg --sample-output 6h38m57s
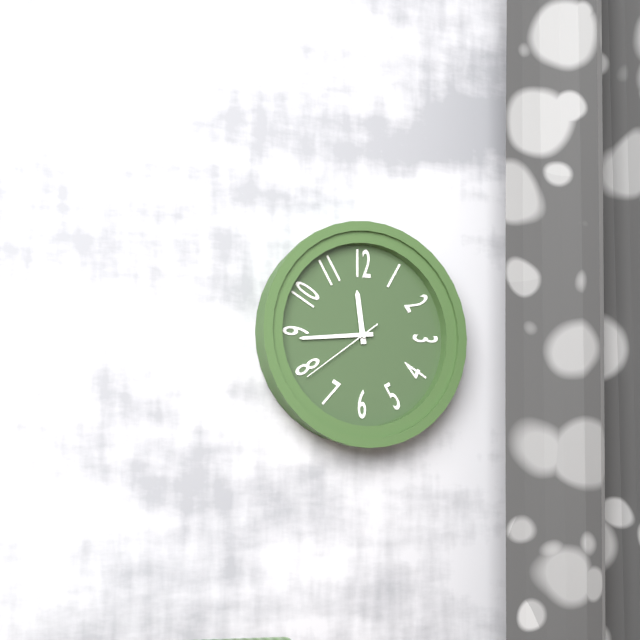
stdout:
11h44m39s
